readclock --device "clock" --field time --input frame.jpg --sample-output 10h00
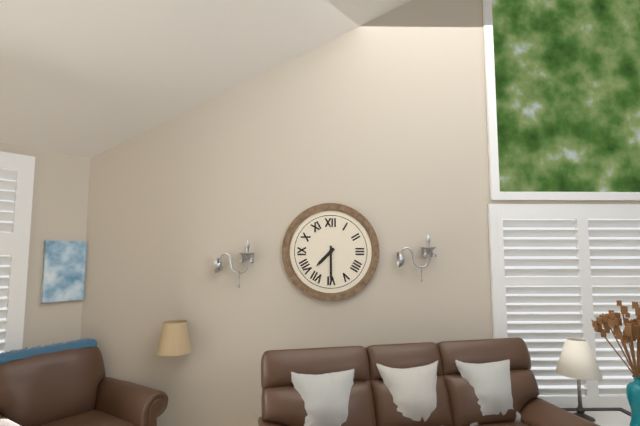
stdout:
7h30
